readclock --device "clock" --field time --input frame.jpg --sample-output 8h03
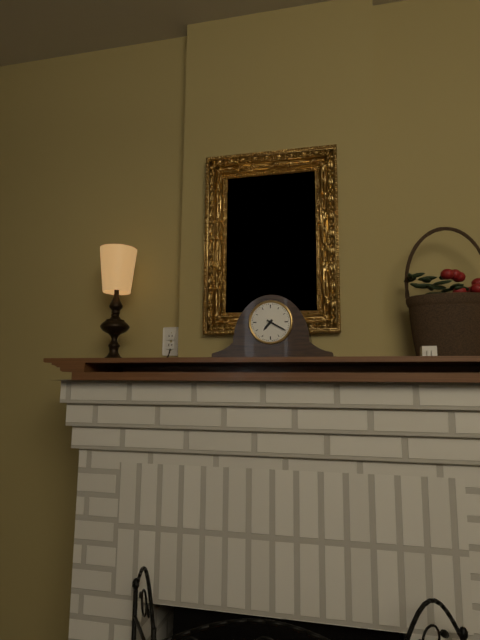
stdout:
7h20
